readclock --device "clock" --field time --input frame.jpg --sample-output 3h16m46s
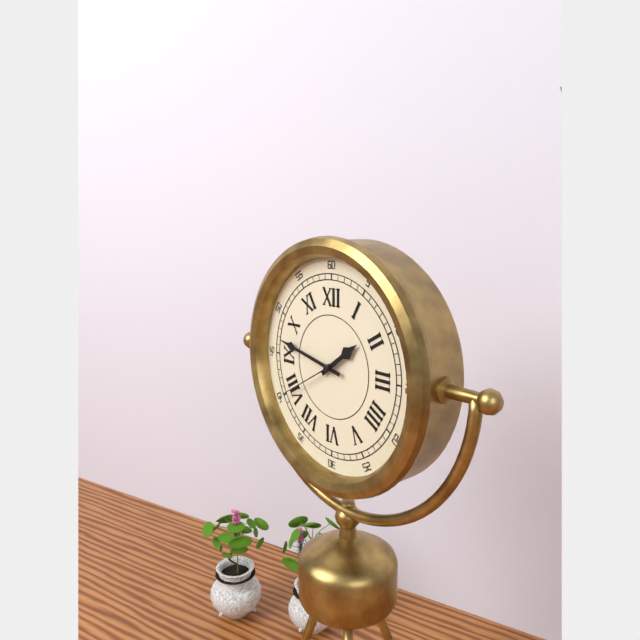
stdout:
1h47m40s
